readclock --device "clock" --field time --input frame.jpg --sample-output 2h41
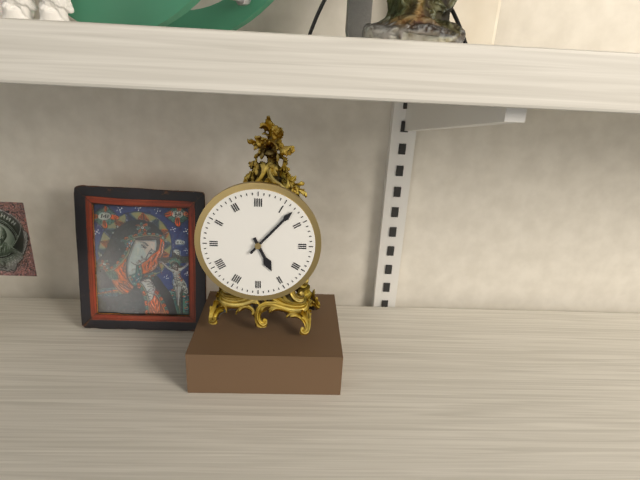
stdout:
5h07
